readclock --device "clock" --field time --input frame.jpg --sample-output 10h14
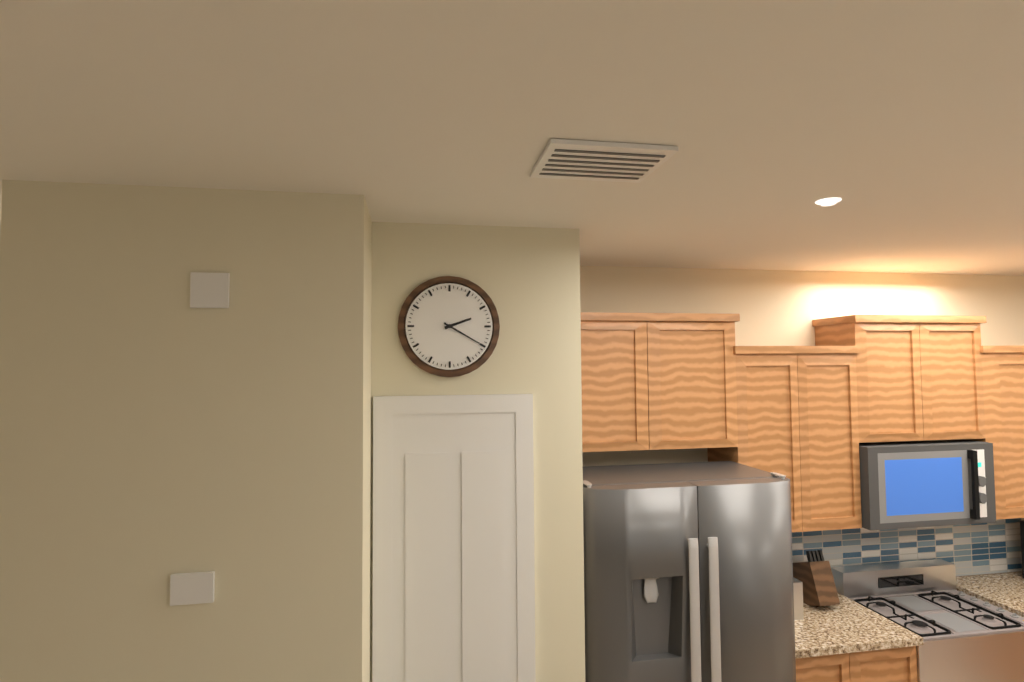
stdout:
2h20
